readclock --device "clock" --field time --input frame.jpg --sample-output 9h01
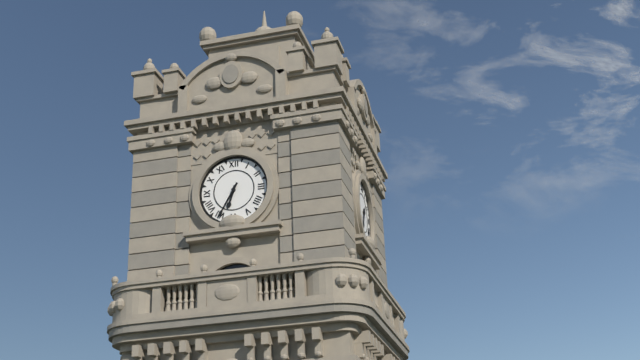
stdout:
6h35
